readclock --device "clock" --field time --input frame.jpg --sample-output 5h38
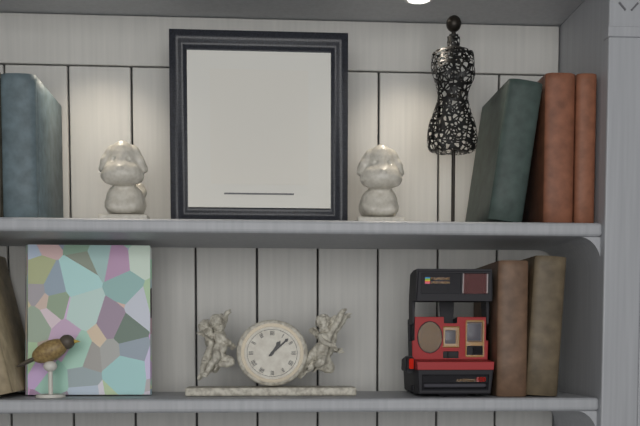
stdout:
1h08
